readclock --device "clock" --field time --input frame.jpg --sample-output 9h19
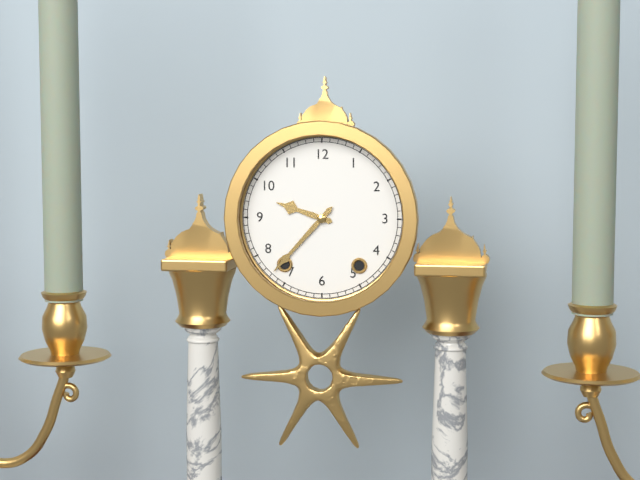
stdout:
9h37
